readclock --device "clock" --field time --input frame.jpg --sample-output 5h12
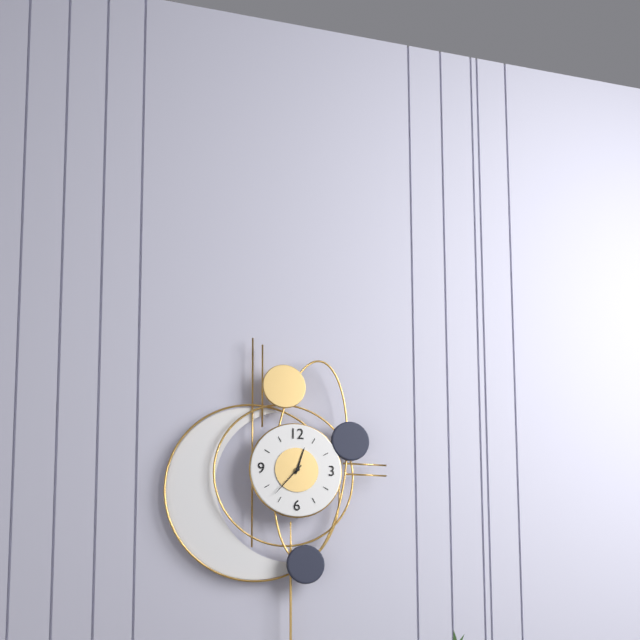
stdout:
12h37
